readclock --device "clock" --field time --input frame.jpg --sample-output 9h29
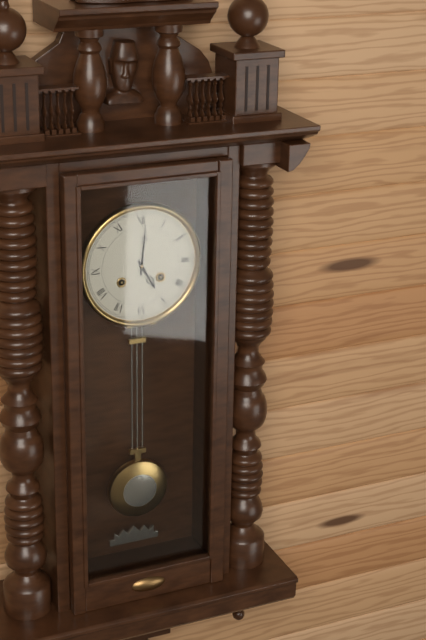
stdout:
5h01
